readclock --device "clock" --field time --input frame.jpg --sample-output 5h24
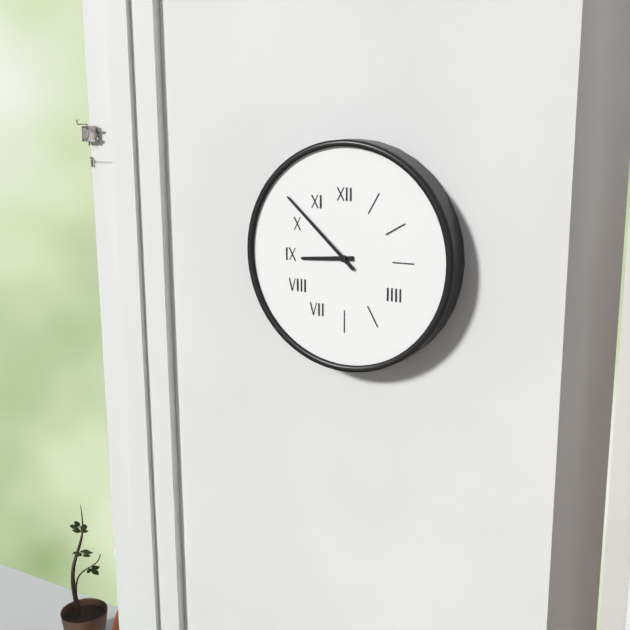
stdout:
8h52
